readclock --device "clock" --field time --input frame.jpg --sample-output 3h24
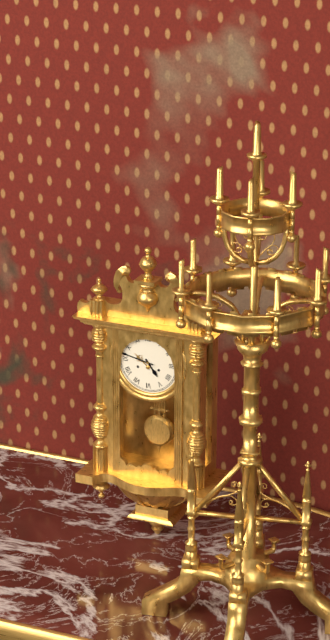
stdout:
4h47
